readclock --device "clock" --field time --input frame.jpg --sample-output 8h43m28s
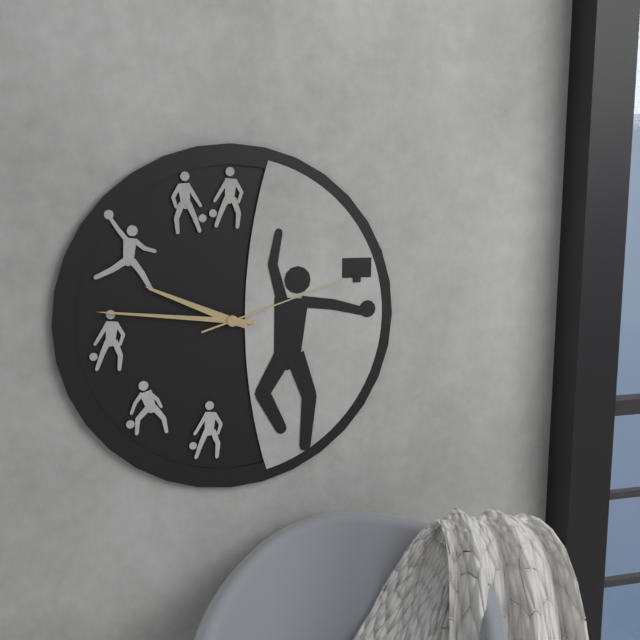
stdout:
9h46m12s
